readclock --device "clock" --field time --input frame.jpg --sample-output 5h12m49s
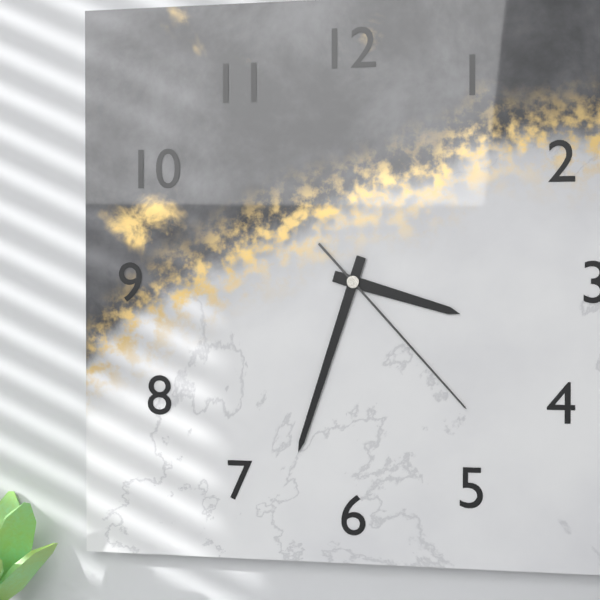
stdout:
3h33m23s
